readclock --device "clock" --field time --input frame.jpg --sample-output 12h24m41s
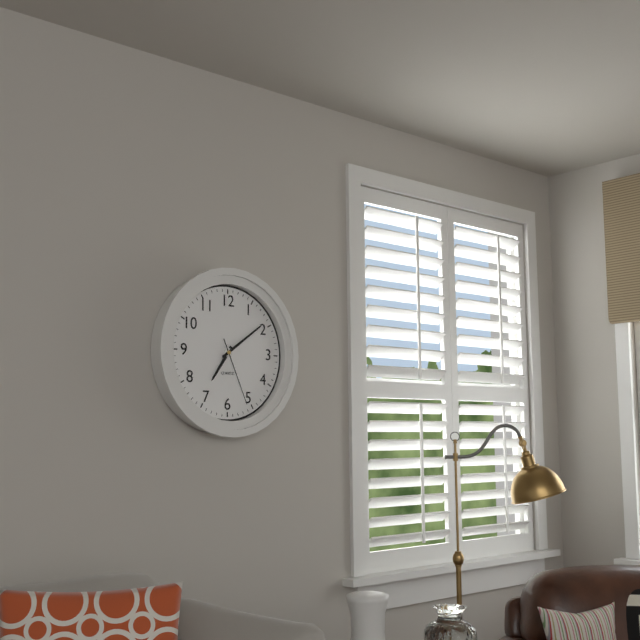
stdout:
7h09m26s
